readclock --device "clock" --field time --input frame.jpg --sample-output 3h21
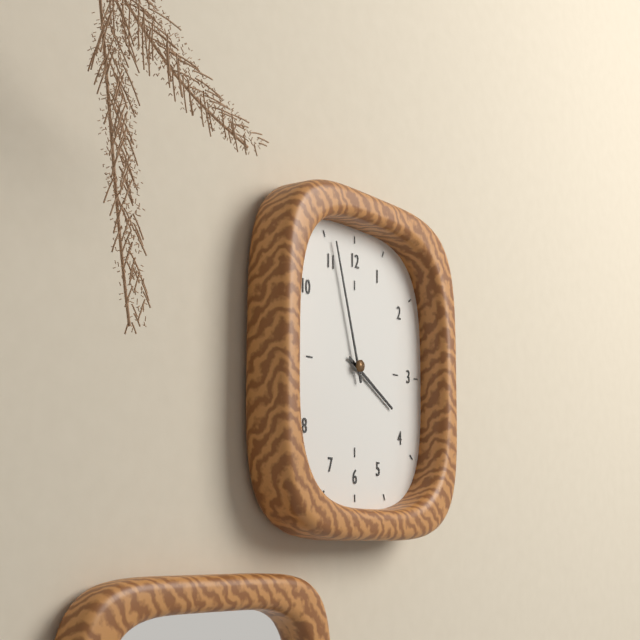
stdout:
3h57
